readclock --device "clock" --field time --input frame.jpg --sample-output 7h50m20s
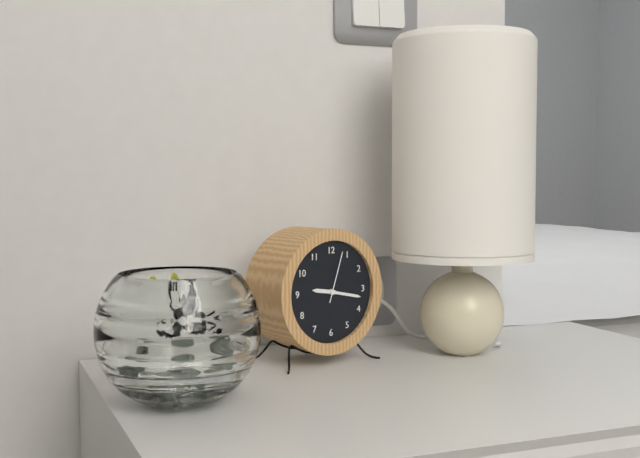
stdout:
9h17m03s
